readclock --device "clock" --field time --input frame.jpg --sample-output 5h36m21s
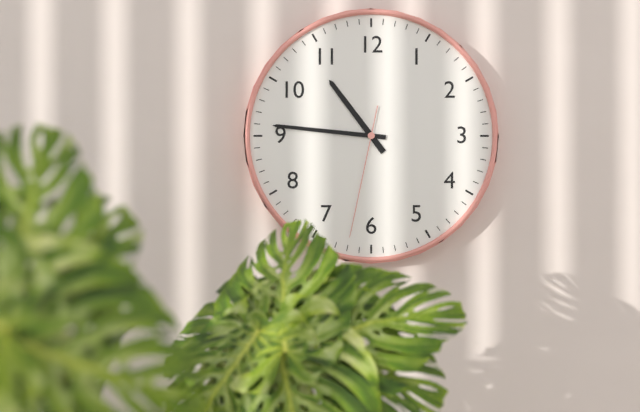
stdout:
10h46m32s
